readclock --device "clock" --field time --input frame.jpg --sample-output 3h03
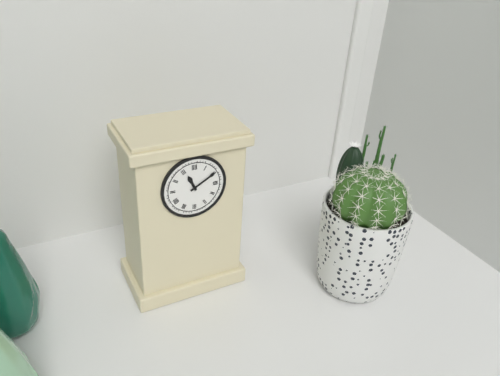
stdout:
11h10
